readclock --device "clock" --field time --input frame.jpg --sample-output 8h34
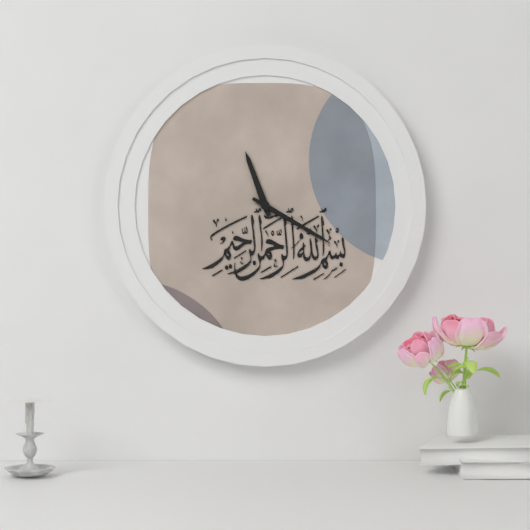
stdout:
11h20
